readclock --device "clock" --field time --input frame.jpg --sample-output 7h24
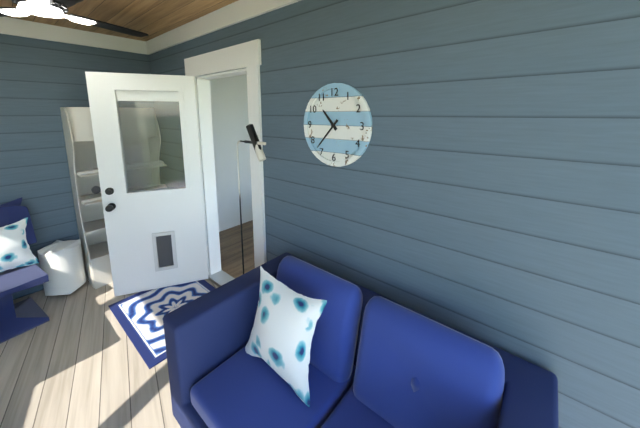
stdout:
10h37
